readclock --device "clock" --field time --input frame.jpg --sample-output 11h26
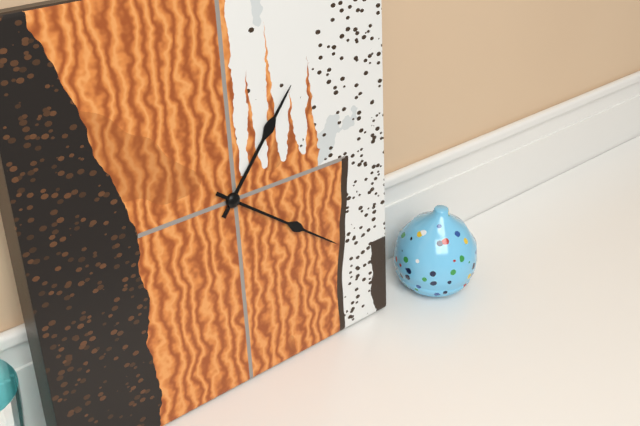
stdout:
1h21
